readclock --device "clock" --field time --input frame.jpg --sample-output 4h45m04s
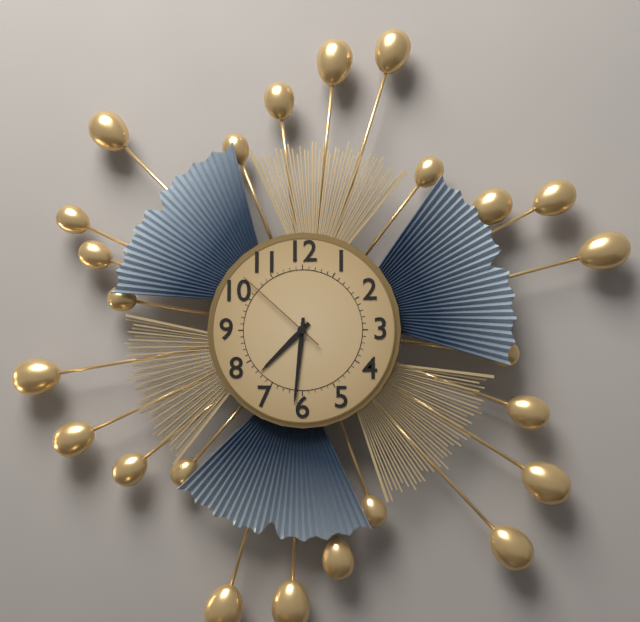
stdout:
7h31m52s
